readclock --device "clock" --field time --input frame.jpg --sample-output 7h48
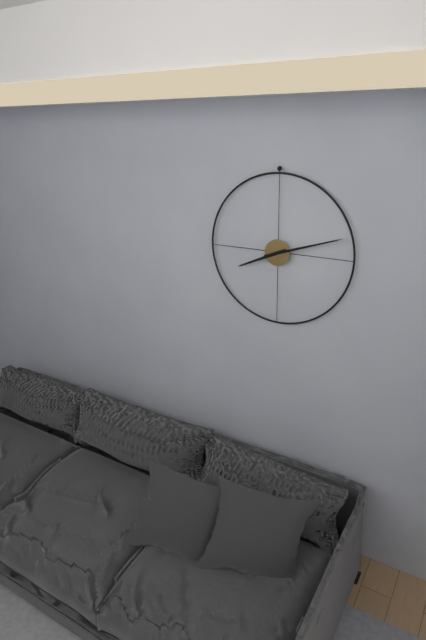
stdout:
8h12
